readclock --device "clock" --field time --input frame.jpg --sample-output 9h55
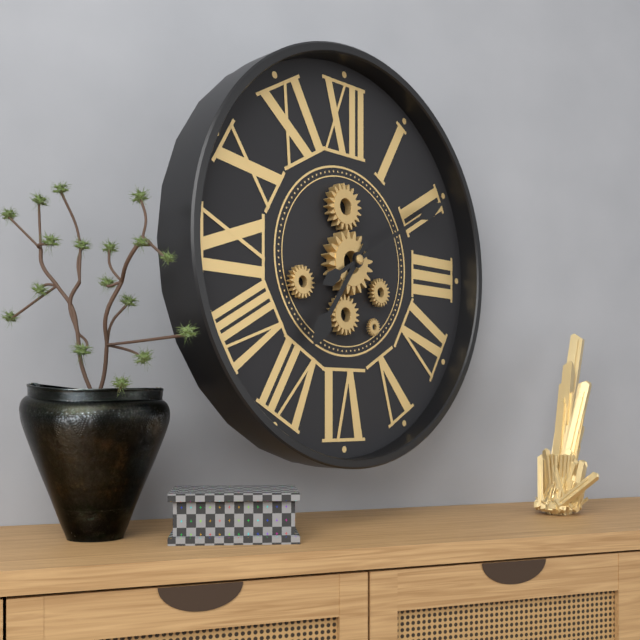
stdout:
7h10
